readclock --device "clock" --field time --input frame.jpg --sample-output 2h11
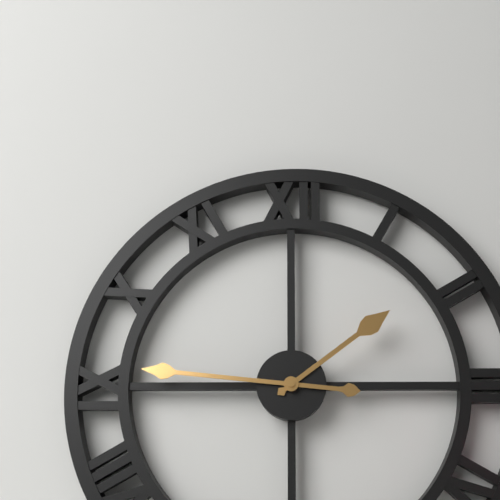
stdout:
1h46
